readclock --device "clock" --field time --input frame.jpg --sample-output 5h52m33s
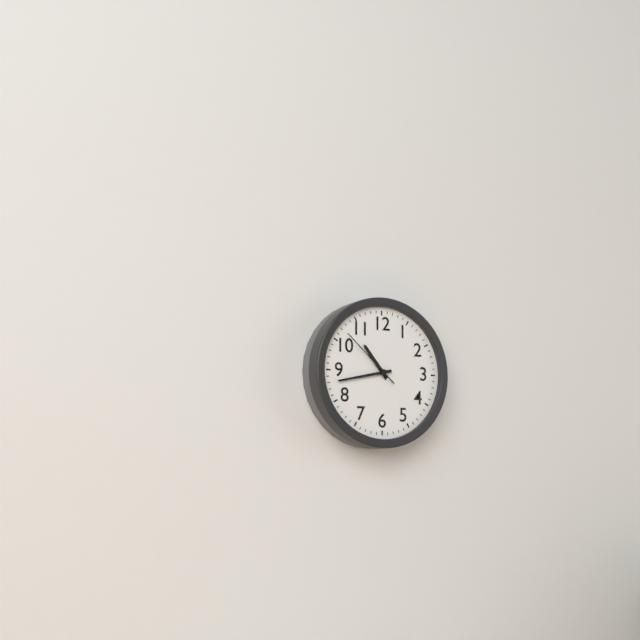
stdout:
10h43m52s
